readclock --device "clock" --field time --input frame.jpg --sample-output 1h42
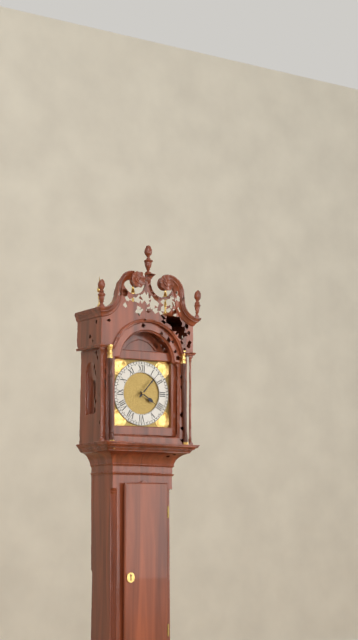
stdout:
4h07
